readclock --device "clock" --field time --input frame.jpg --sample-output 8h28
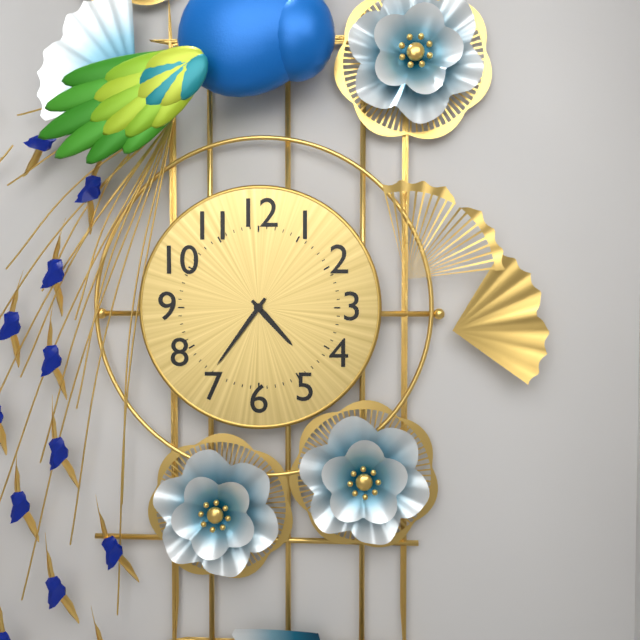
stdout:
4h36
